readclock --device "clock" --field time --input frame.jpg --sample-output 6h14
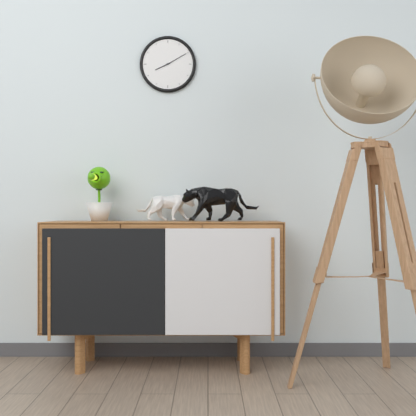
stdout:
8h10
